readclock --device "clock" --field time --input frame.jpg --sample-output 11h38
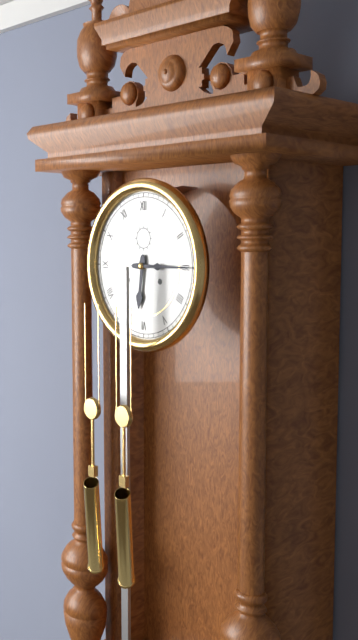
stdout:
6h15
